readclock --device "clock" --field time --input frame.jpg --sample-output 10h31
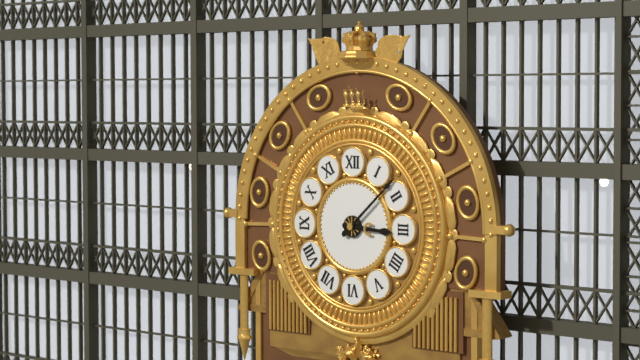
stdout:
3h08
